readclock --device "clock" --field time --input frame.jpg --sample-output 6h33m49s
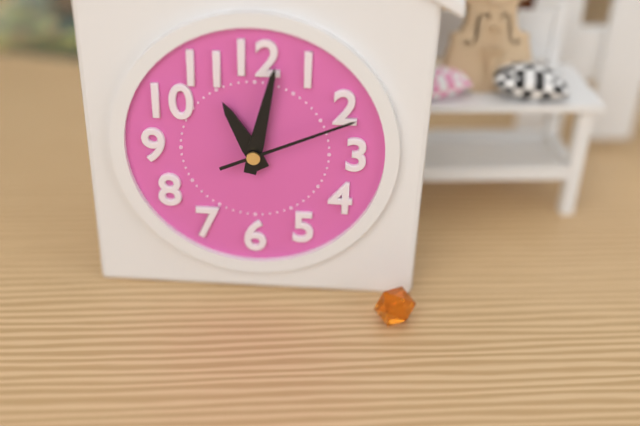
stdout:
11h02m11s
